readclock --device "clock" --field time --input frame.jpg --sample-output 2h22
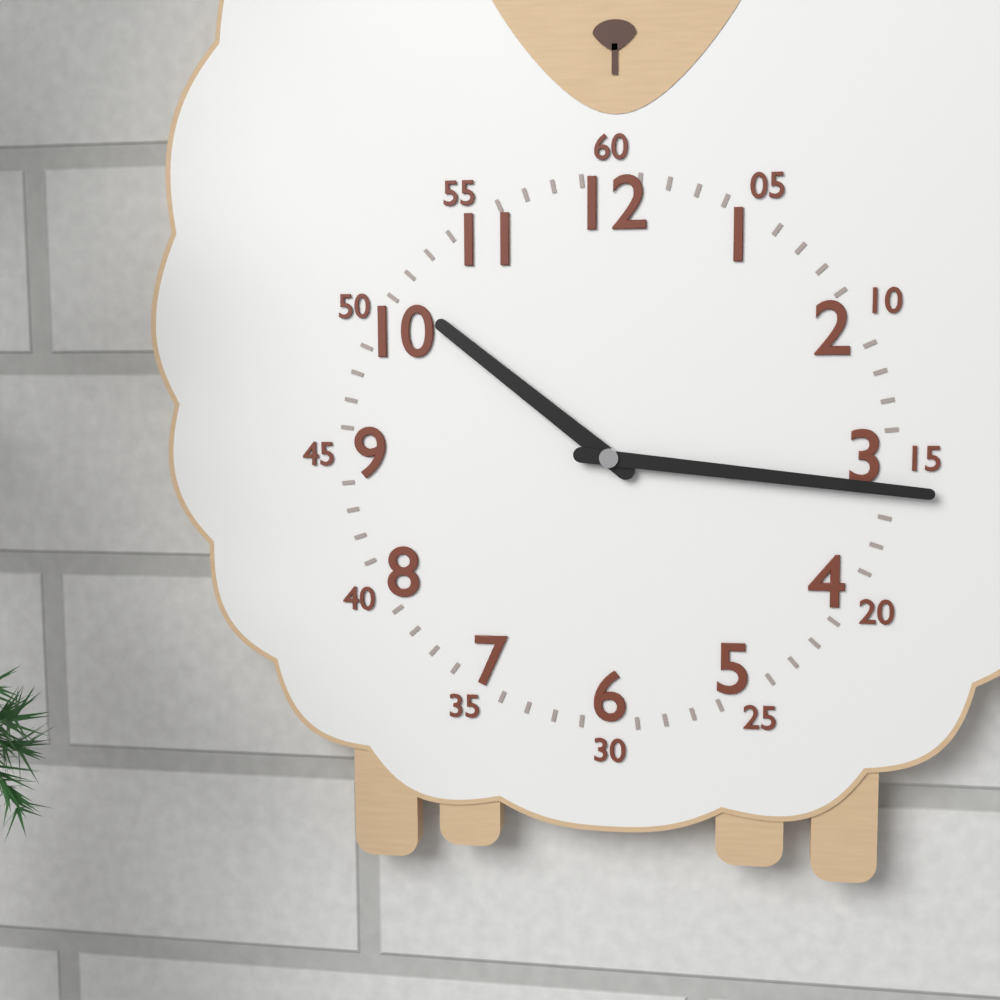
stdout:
10h16
